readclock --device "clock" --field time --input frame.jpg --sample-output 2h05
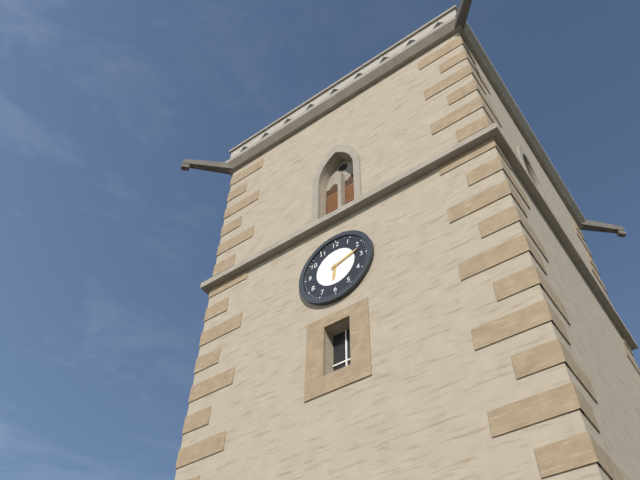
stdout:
6h12
